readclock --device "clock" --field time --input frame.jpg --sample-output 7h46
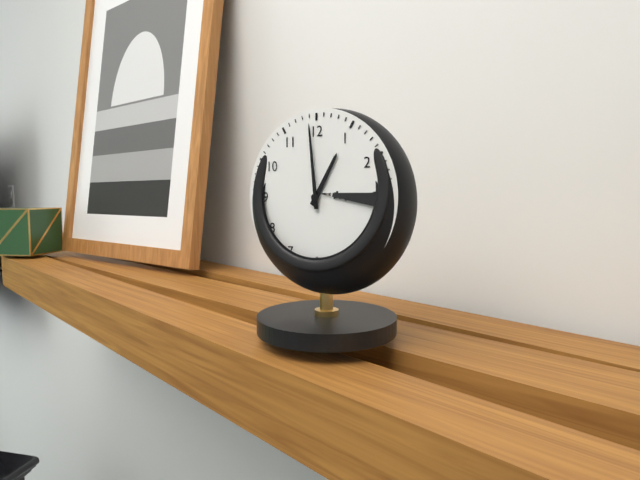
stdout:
12h59
